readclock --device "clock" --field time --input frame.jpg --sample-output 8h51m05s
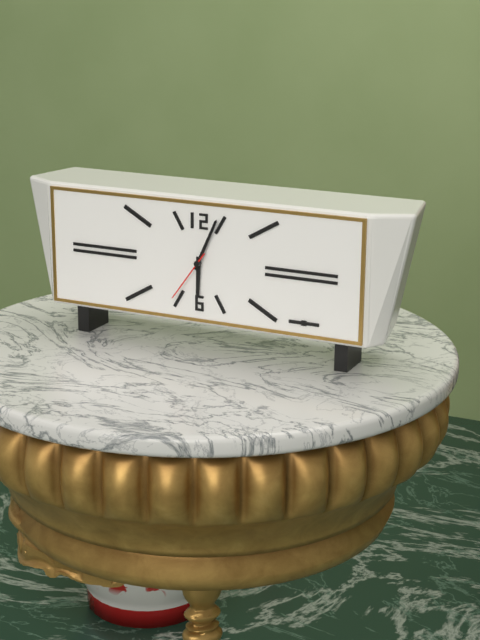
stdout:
6h04m36s
